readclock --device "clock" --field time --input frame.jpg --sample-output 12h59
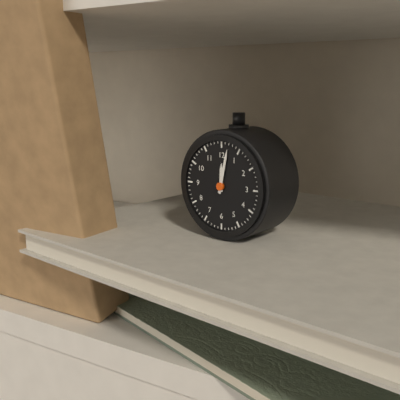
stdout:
12h02
